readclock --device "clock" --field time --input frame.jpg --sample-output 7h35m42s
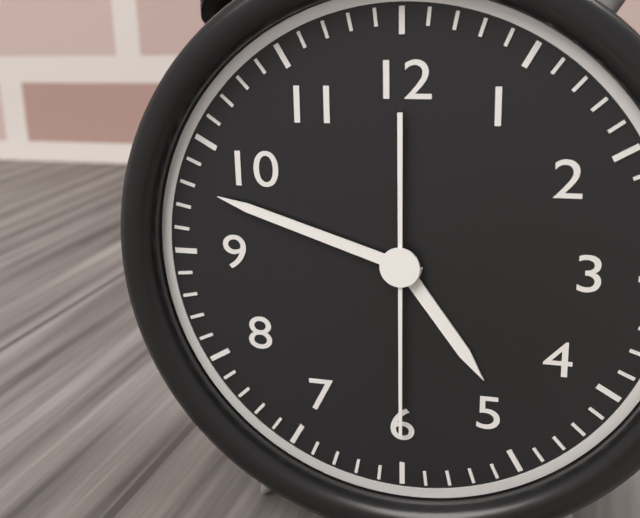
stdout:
4h48m30s
